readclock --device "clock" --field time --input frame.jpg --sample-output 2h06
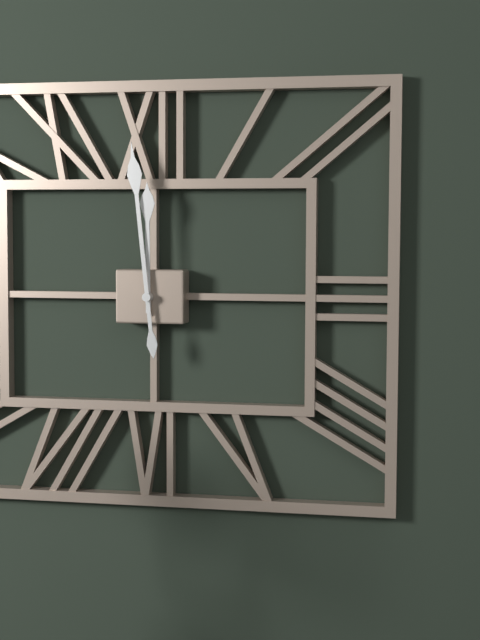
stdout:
11h59
